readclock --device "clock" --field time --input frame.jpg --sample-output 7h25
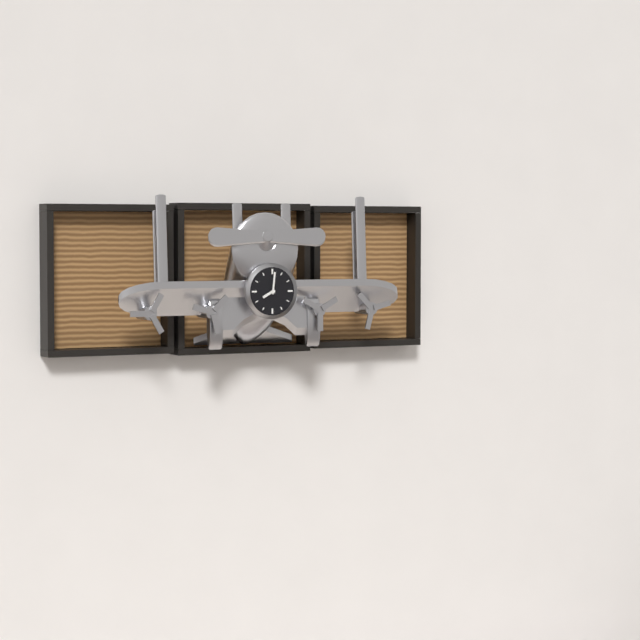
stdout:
8h01
